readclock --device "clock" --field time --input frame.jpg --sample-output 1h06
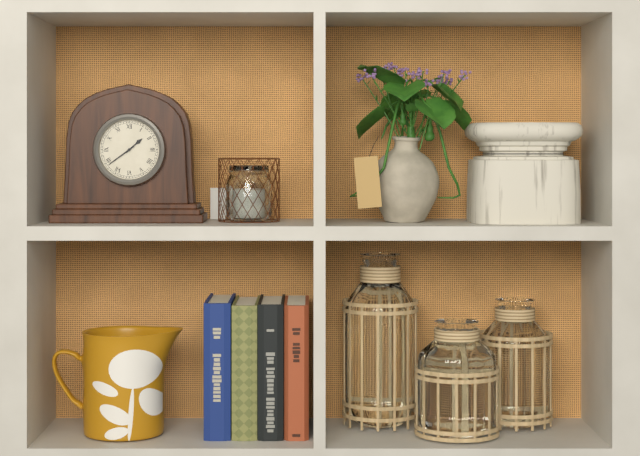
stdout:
1h39
